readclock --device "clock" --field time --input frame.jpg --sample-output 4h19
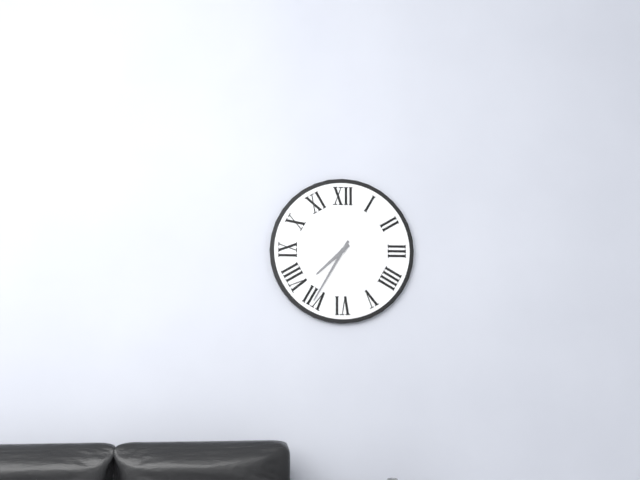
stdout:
7h35
